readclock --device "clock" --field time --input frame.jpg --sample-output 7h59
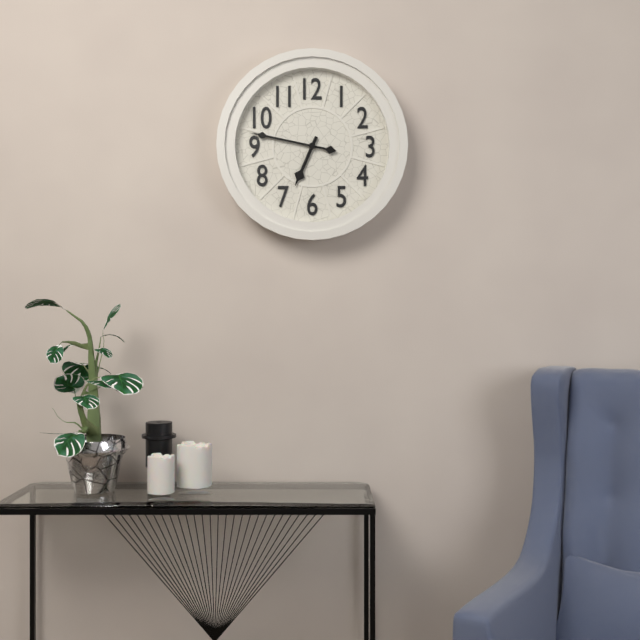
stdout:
6h47
